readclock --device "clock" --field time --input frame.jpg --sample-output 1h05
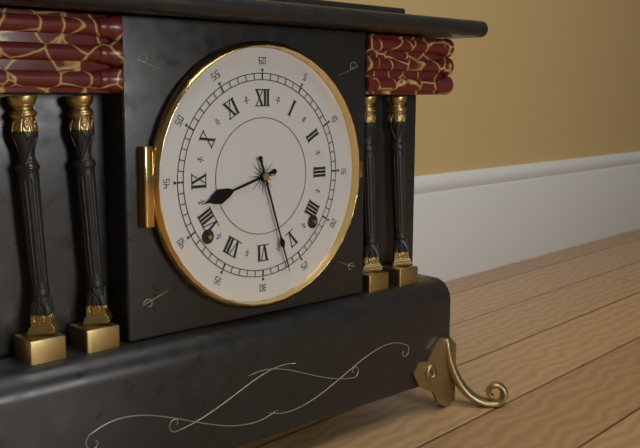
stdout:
8h27
